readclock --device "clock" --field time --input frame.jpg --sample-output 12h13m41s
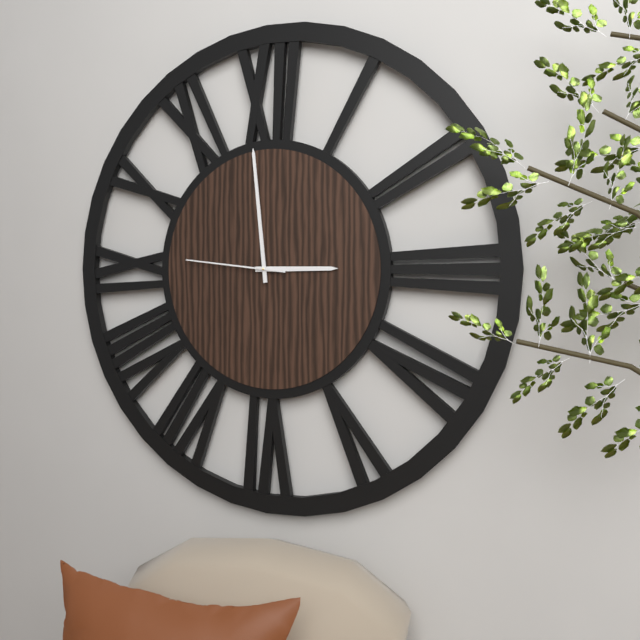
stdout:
2h59m46s
